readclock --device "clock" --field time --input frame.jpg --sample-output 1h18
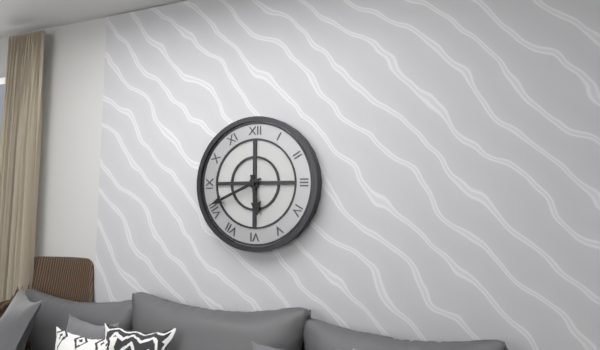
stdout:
5h41
